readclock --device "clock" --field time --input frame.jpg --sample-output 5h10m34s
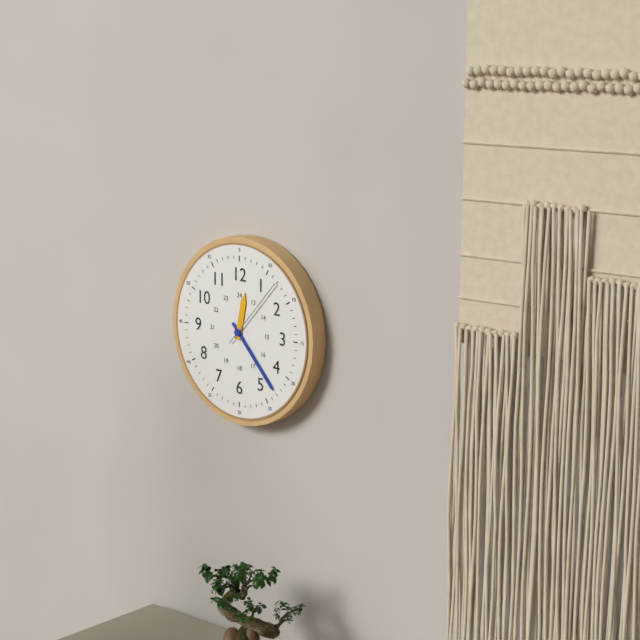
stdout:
12h23m07s
